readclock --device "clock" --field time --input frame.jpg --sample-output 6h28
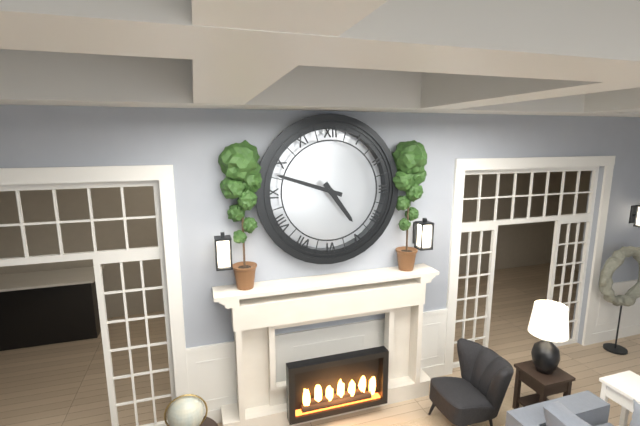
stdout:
4h48
